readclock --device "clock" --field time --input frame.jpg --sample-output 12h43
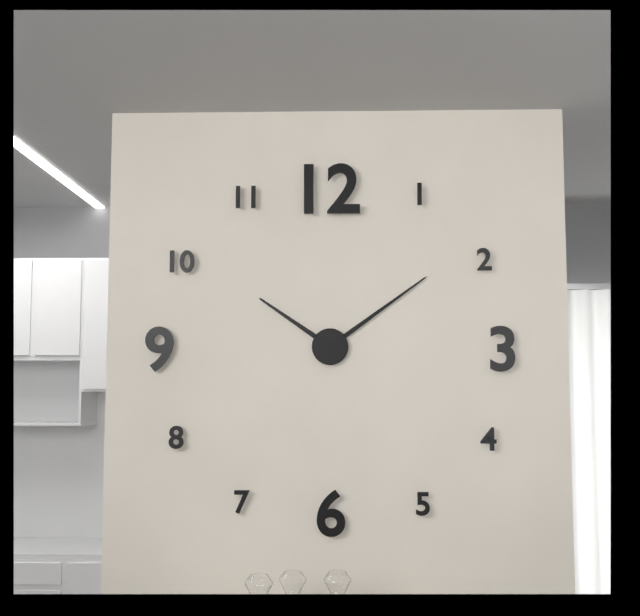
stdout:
10h09
